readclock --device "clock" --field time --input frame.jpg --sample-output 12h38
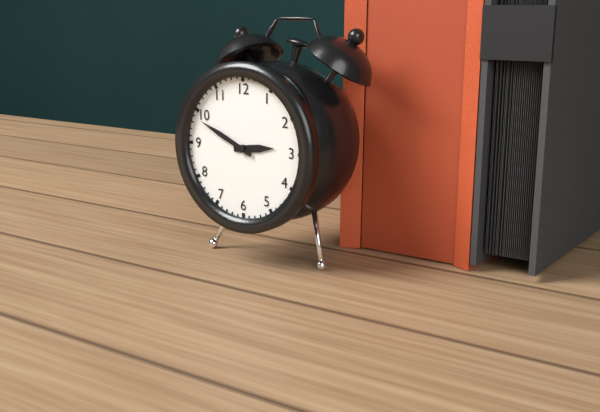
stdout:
2h49
